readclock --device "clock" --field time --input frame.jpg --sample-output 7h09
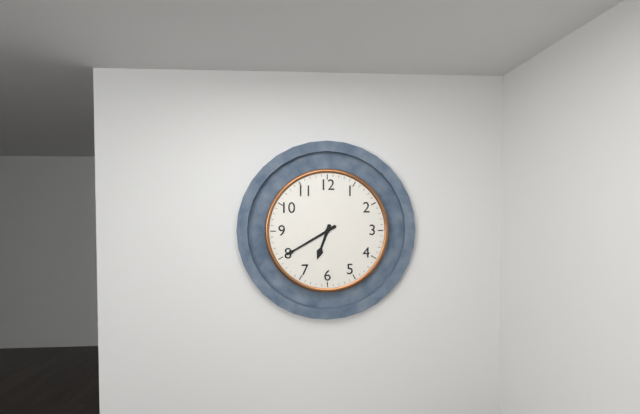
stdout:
6h40
